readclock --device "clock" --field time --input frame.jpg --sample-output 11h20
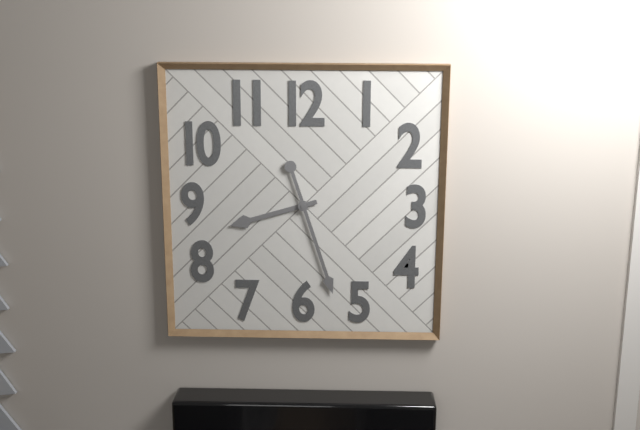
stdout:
8h27
